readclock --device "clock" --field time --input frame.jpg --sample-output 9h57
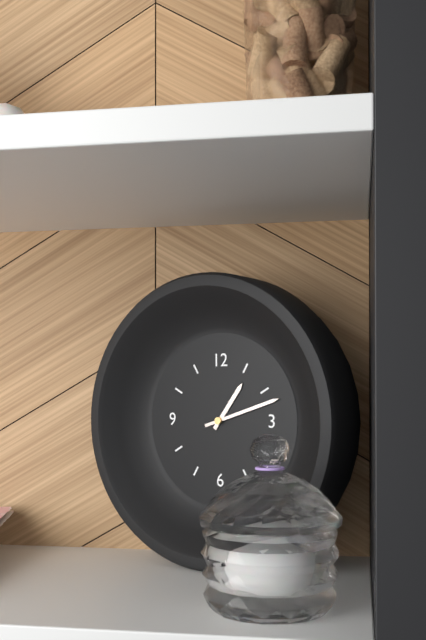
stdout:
1h12
